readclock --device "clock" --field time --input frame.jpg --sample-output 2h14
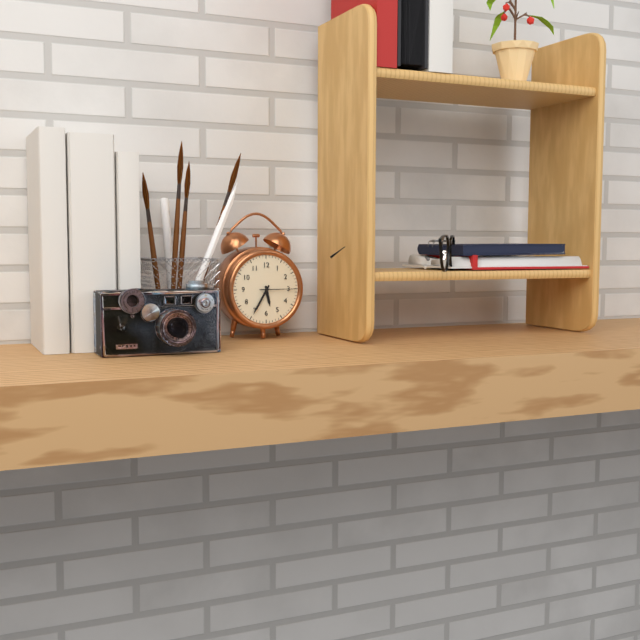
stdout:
5h35
